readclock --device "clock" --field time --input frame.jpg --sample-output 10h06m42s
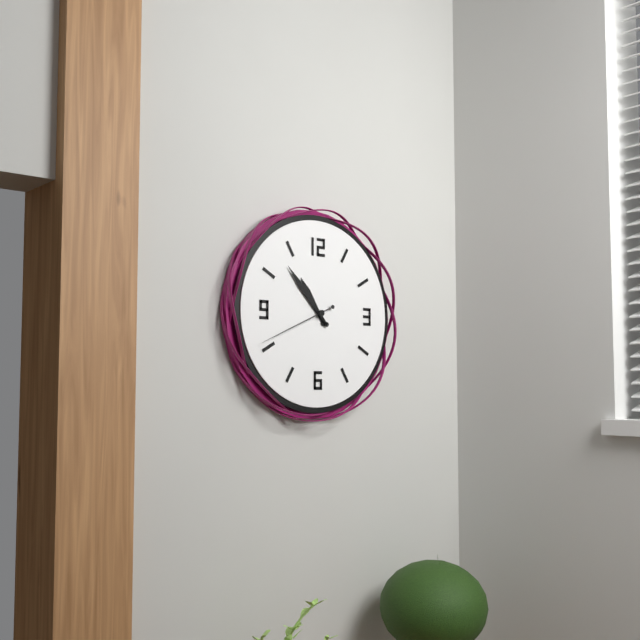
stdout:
10h53m41s
